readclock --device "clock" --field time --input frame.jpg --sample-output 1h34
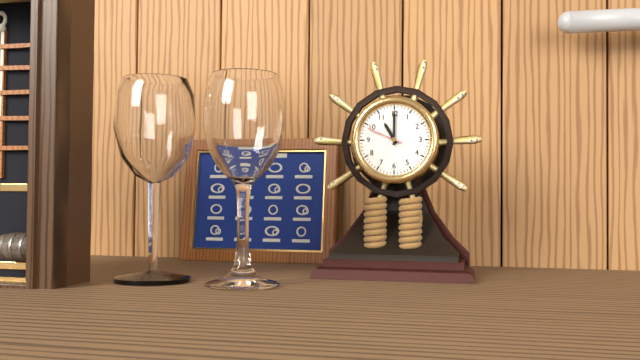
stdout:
11h00
